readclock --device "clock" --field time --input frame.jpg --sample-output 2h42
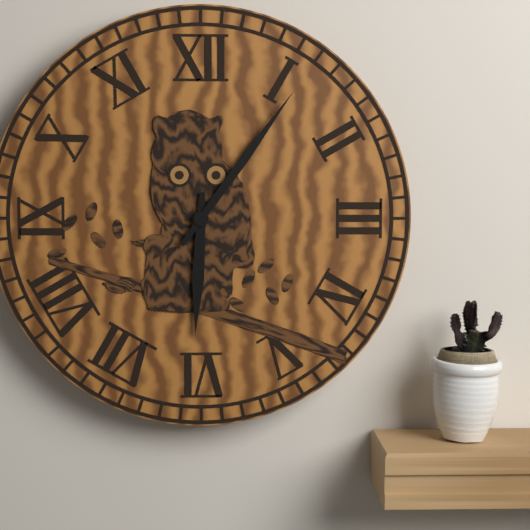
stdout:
6h06
